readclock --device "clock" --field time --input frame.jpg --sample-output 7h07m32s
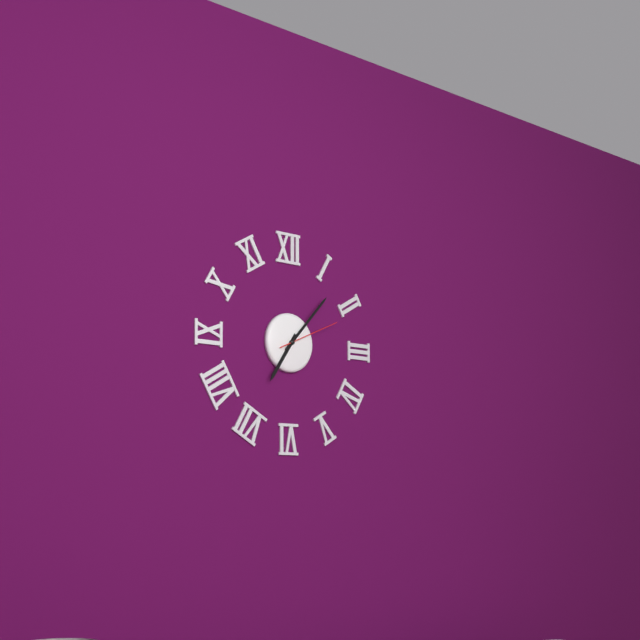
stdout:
7h07m11s
